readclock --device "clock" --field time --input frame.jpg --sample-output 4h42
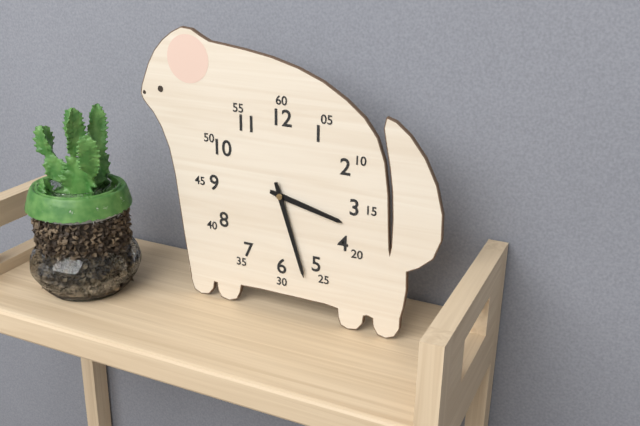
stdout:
3h27
